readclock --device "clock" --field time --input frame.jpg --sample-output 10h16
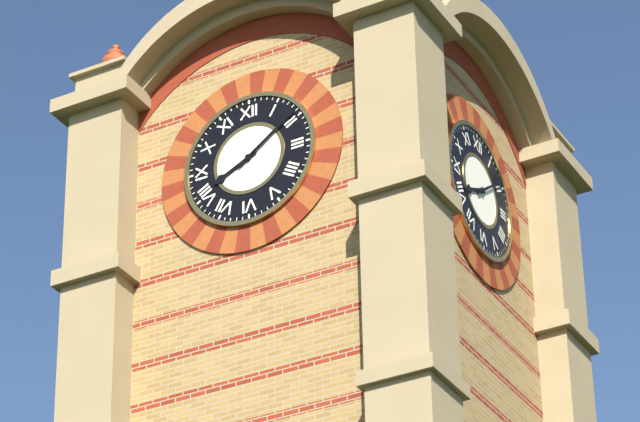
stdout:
8h09
